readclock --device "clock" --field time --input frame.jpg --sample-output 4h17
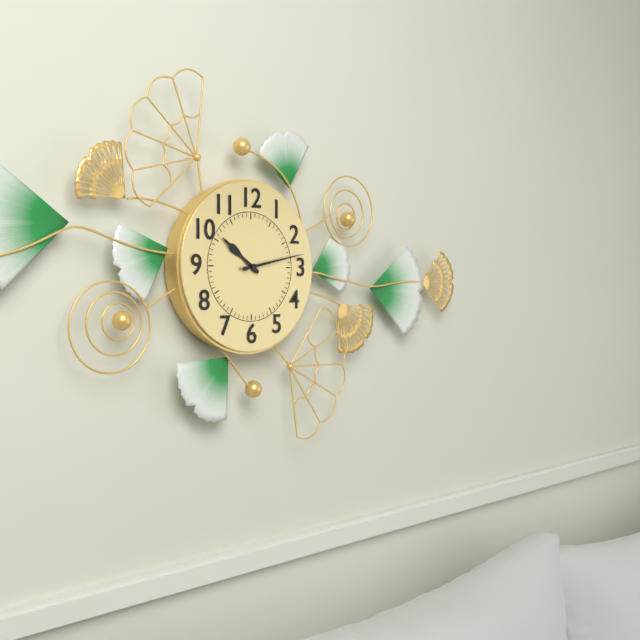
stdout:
10h13
